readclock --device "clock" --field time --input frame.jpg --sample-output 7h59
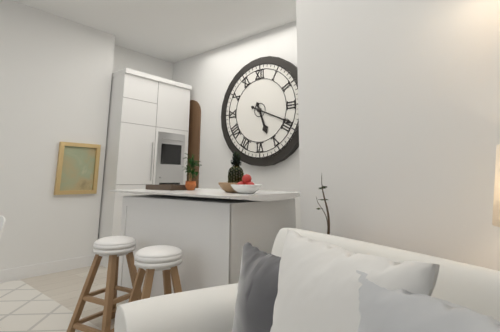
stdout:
5h19
